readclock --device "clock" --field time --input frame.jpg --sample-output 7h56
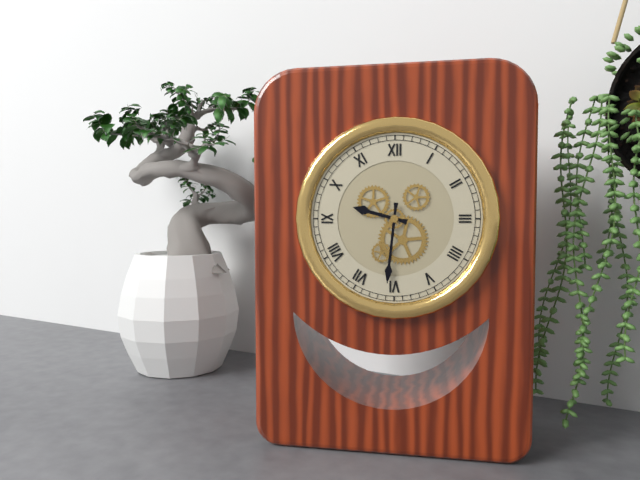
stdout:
9h31
